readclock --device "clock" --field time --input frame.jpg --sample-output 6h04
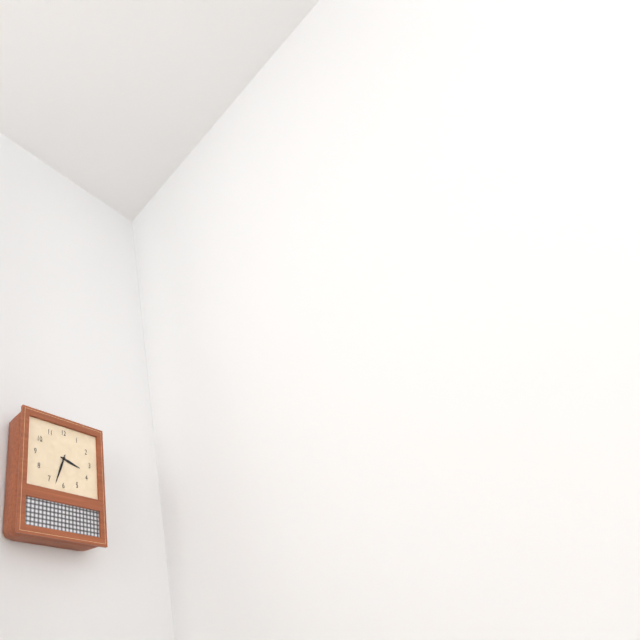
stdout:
3h33
